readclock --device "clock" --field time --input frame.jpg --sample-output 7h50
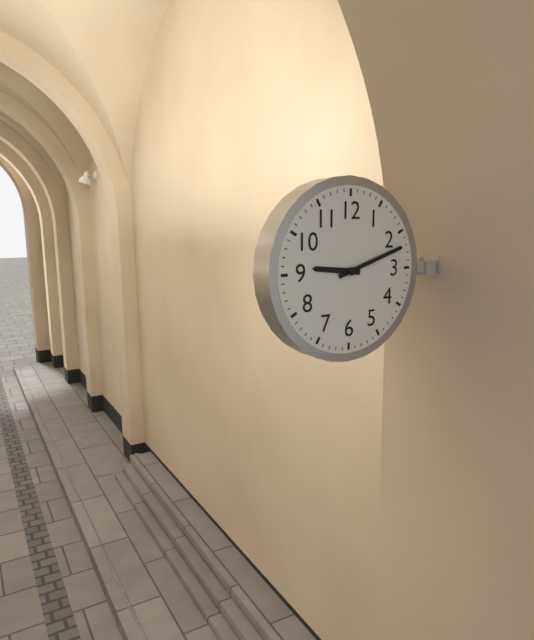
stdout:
9h12
